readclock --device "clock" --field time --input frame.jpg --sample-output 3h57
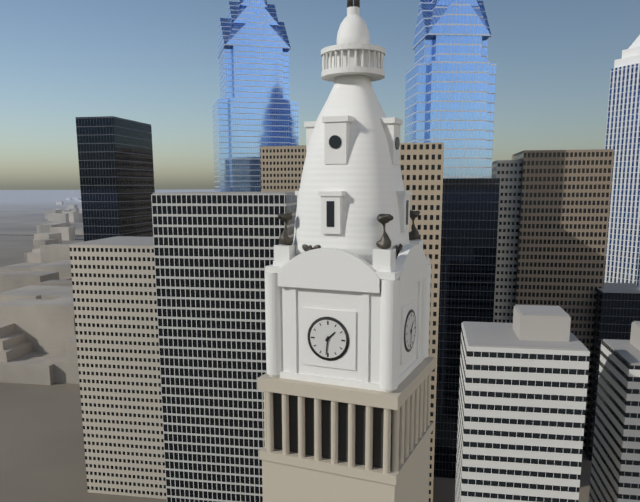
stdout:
1h31
